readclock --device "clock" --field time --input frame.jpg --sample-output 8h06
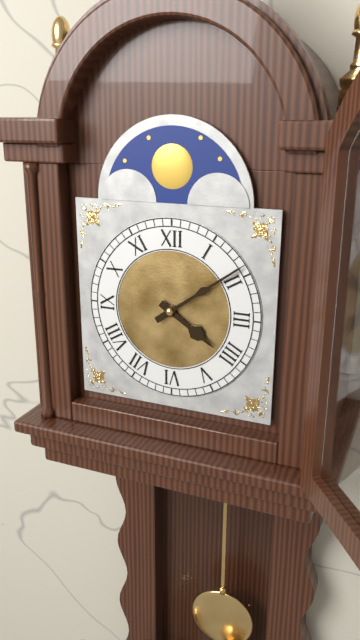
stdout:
4h09
